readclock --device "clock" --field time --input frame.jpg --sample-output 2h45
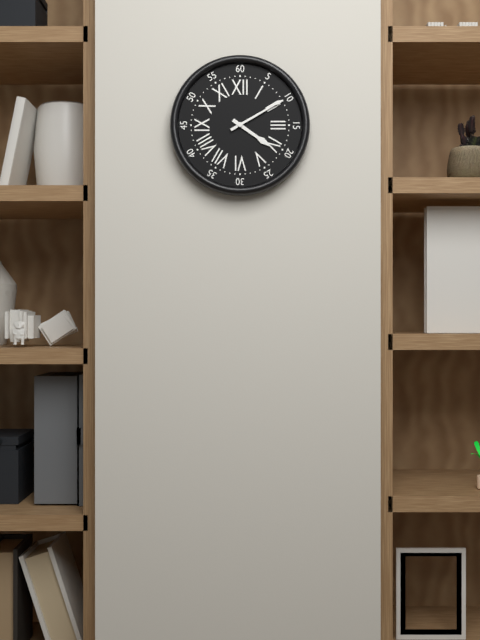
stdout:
4h10
